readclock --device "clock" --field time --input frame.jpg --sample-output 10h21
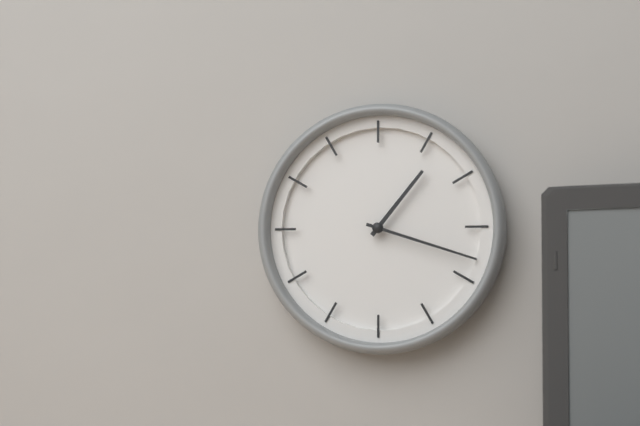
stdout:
1h18
